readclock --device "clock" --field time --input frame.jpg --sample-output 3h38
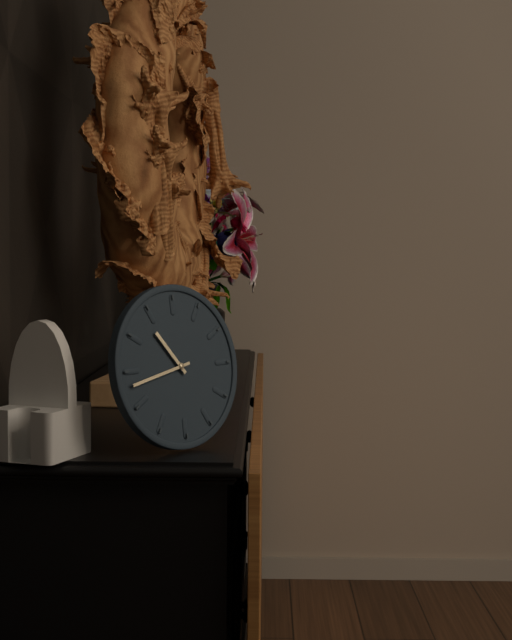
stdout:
10h43
